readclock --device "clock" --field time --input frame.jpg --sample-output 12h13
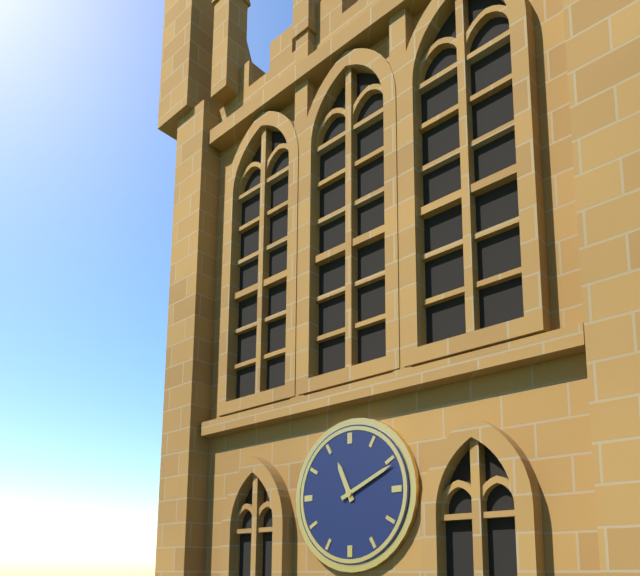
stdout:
11h11
